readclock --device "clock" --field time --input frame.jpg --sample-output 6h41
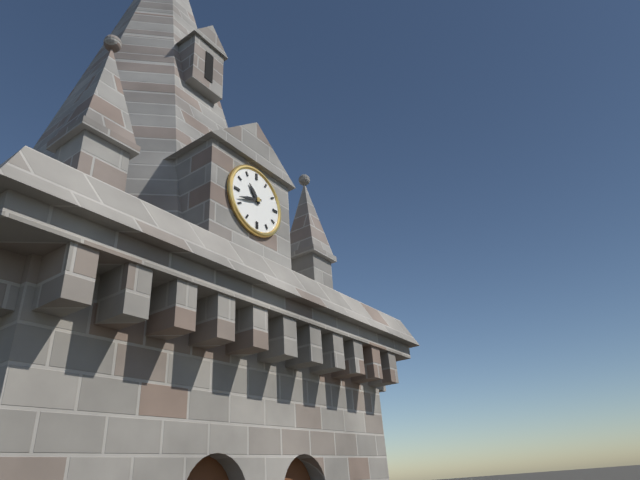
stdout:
10h42
